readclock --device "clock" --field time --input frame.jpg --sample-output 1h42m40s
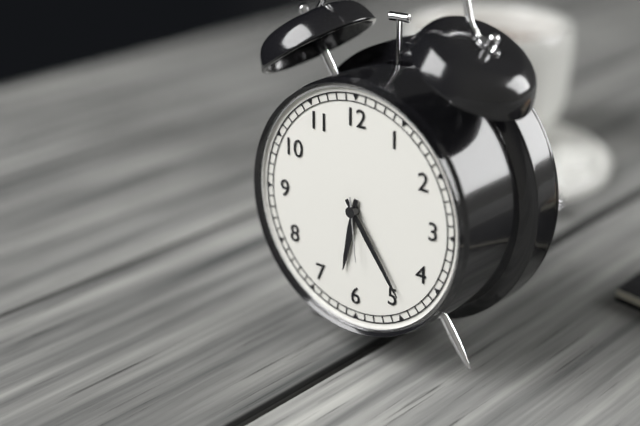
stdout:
6h24m29s
